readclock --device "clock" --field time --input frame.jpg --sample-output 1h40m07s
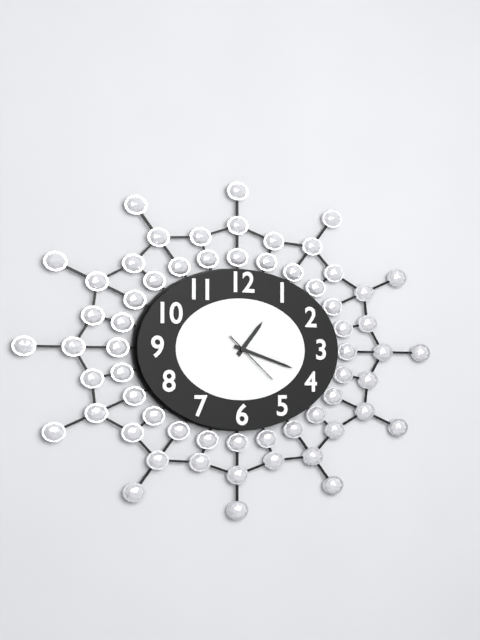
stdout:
1h18m22s
